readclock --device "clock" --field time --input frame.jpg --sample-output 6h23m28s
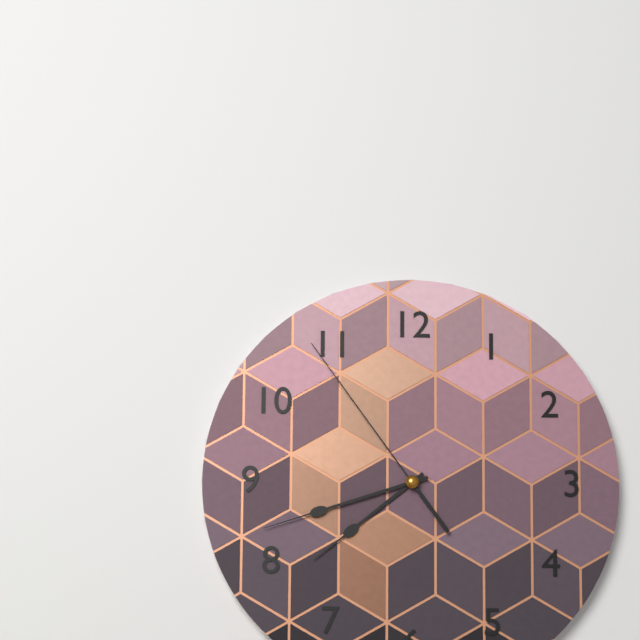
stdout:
7h42m54s
